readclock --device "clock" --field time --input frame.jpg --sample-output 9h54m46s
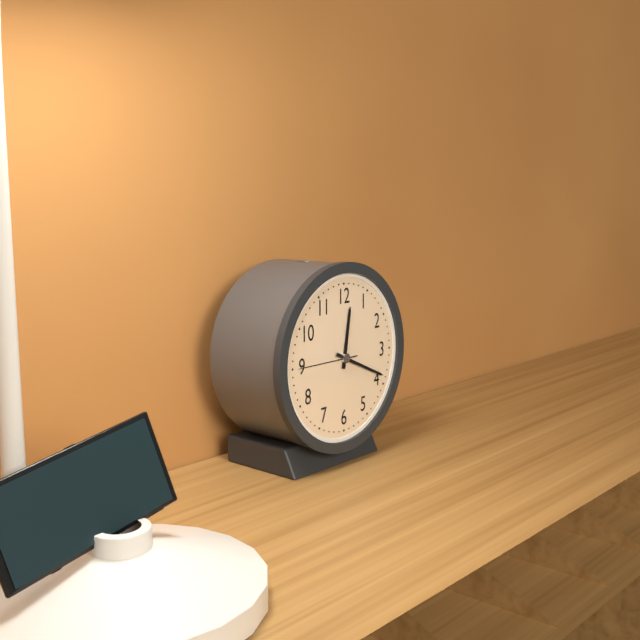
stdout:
12h19m45s
